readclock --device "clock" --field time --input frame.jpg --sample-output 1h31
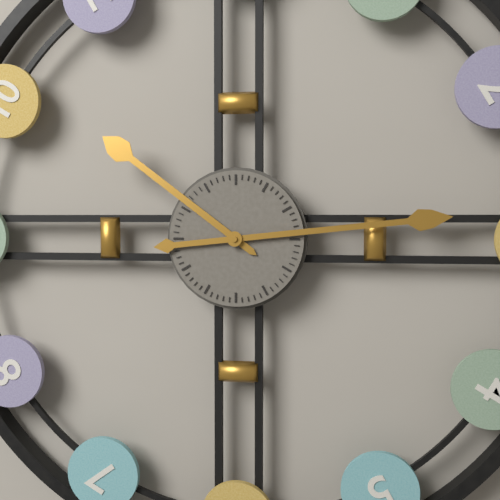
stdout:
10h14
